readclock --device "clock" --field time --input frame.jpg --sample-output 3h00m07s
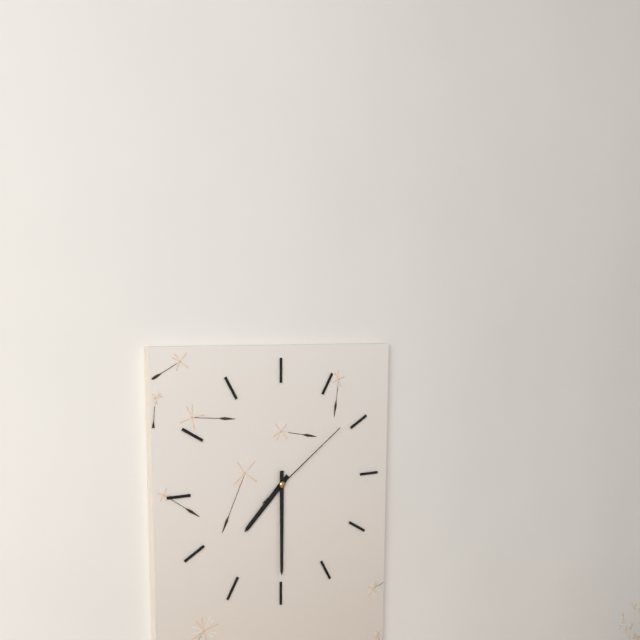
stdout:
7h30m09s
